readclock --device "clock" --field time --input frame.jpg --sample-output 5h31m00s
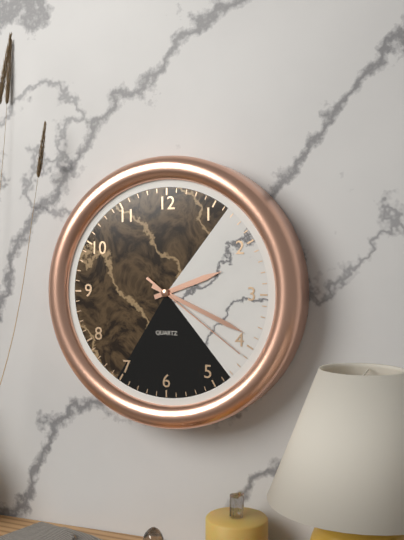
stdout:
2h19m21s
